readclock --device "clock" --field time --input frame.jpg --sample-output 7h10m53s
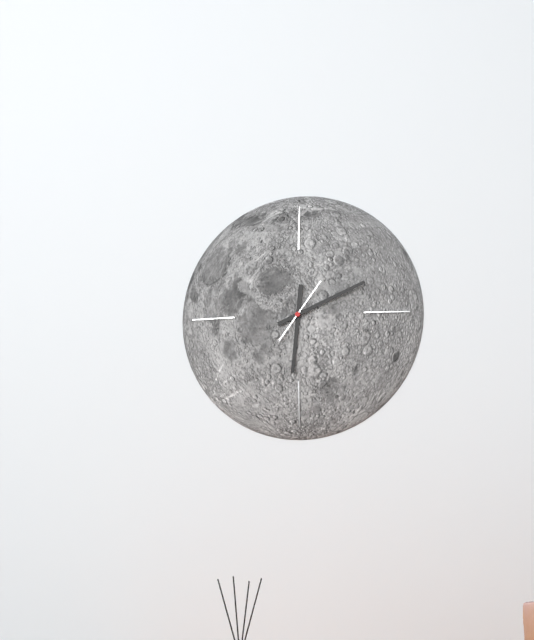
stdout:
6h11m06s
